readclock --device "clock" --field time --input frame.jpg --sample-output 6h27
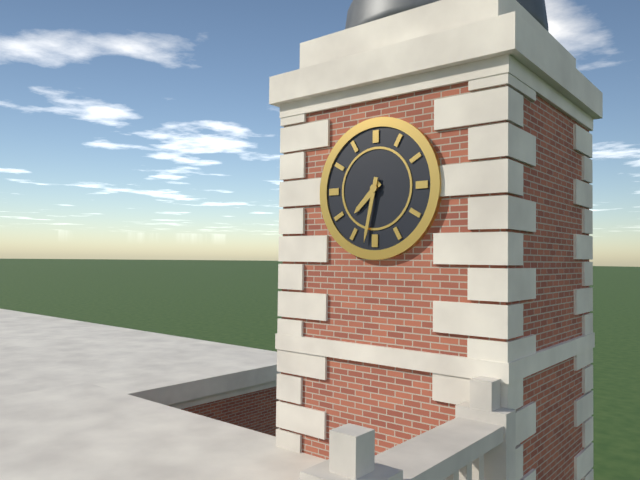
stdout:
7h32
